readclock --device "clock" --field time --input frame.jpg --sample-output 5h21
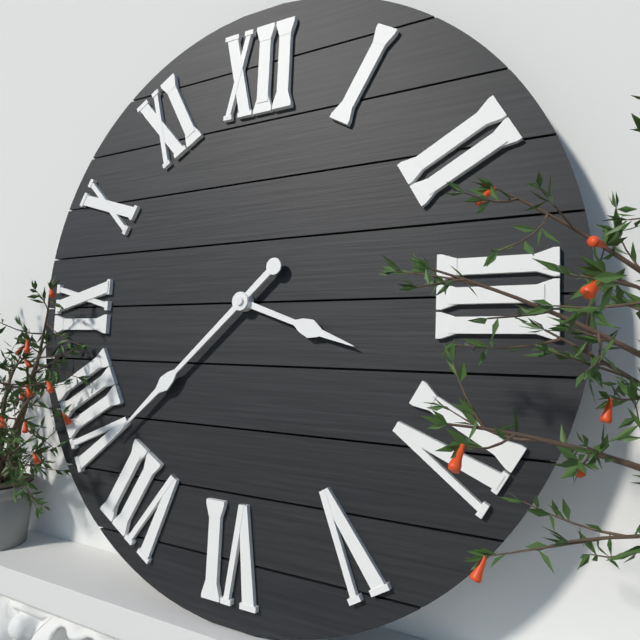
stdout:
3h38
